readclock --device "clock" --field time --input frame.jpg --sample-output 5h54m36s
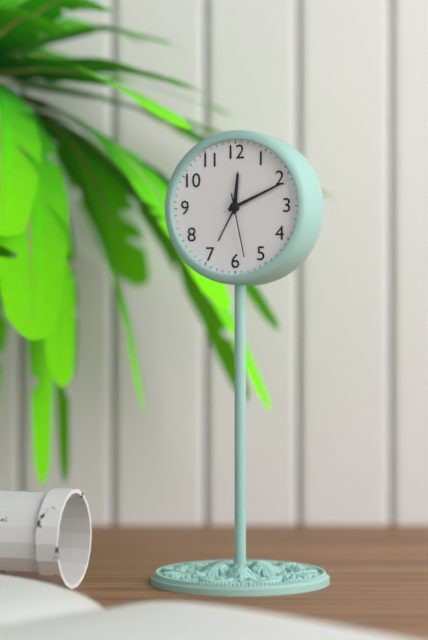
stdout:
12h11m28s
